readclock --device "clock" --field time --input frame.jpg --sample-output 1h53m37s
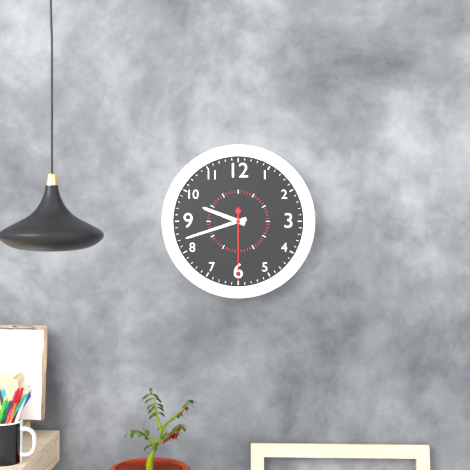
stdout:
9h42m30s
